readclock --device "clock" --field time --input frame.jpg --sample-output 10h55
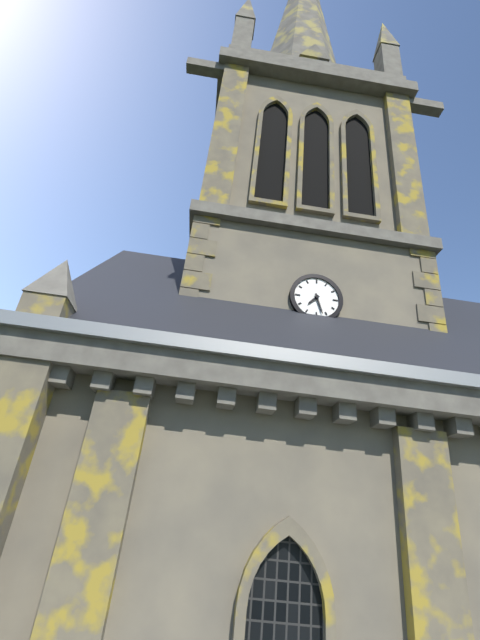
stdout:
7h27
